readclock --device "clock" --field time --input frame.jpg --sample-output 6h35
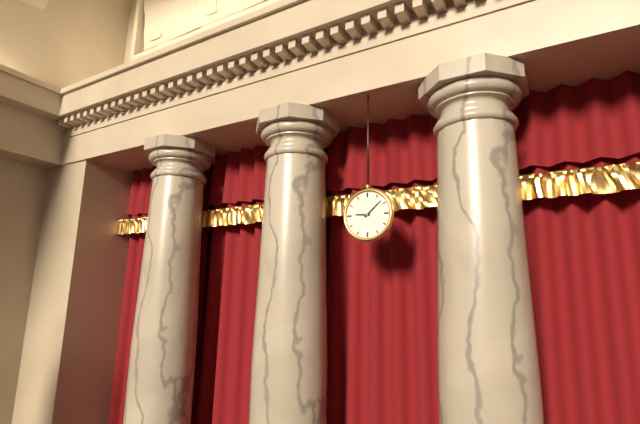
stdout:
9h08
